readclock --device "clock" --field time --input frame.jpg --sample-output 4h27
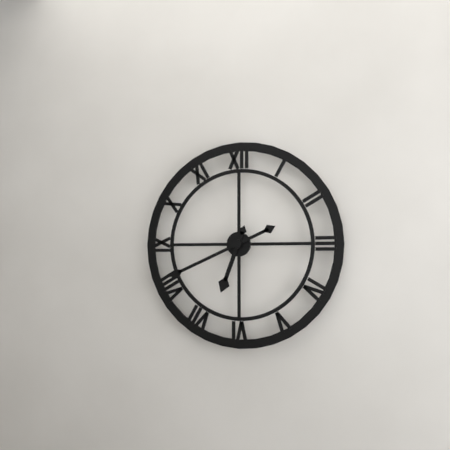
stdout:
6h41
